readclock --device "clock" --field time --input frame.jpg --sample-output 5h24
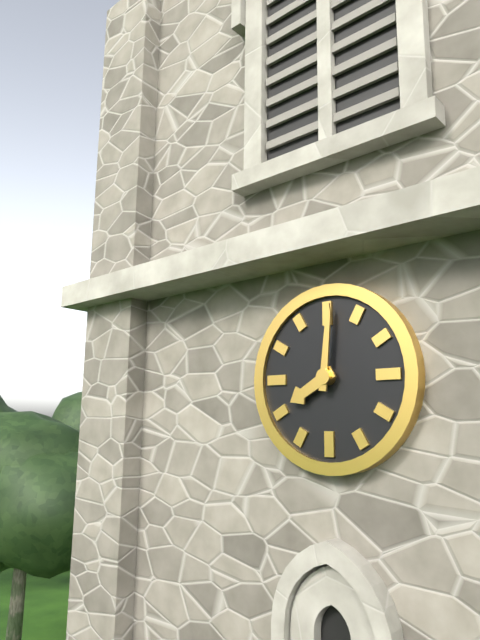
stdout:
8h01
